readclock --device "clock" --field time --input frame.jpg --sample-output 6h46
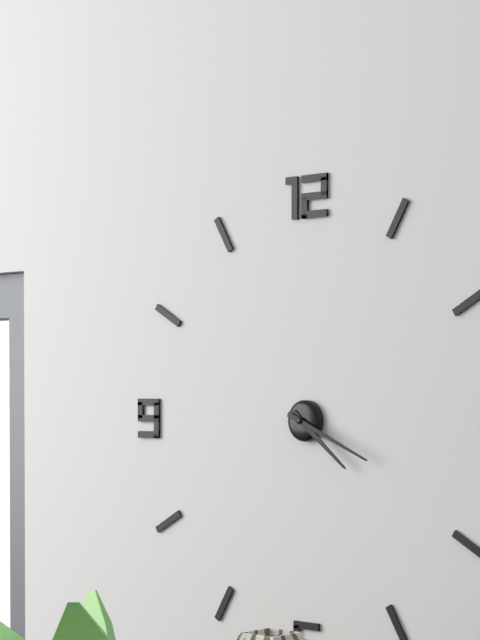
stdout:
4h19
